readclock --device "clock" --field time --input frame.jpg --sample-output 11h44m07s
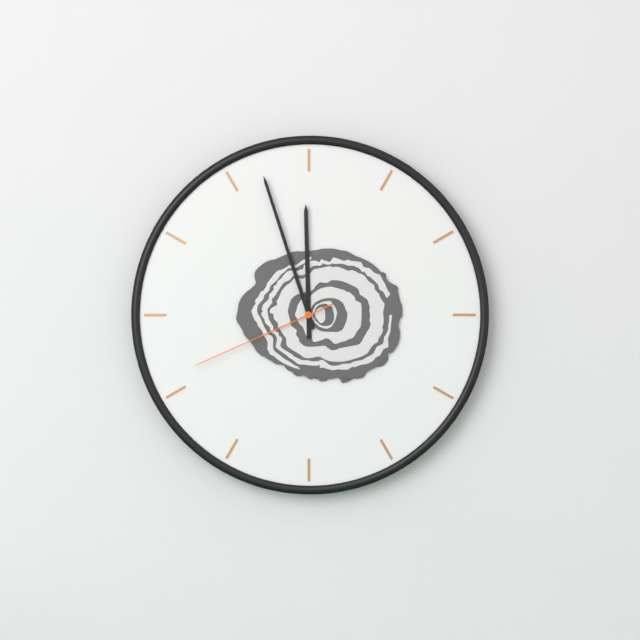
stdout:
11h57m41s
